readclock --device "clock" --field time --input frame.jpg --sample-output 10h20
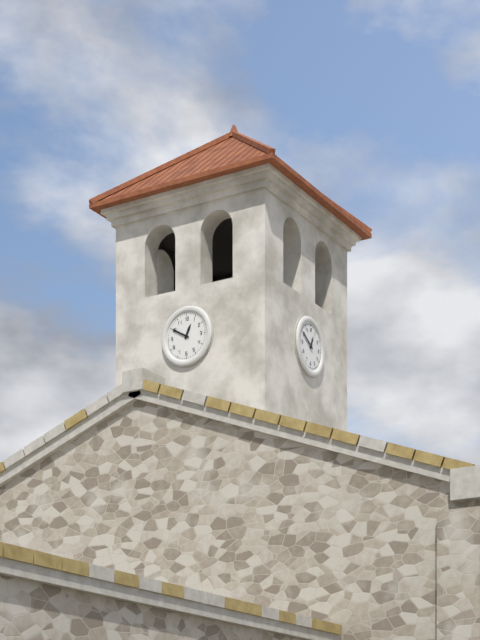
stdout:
12h50
